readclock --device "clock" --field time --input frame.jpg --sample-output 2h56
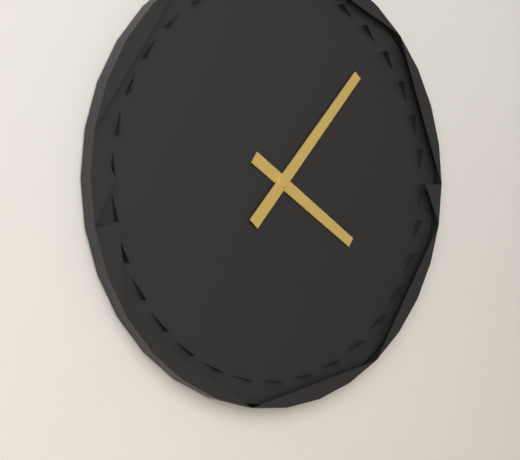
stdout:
4h07
